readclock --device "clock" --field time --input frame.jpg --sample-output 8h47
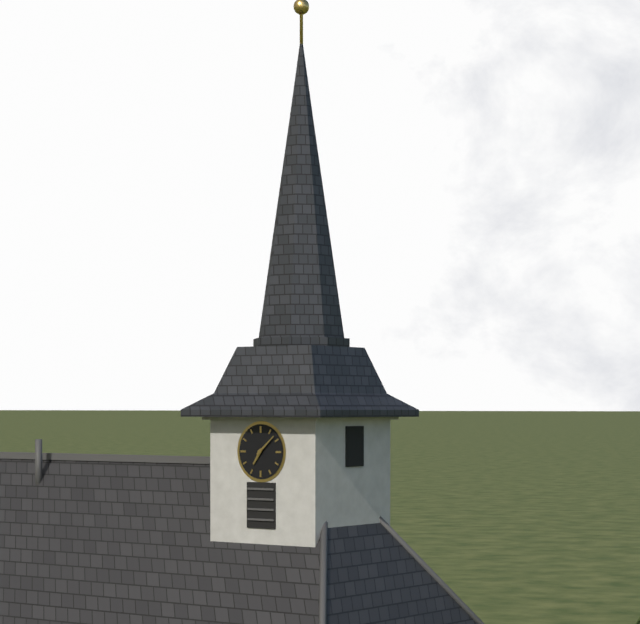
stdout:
7h08
